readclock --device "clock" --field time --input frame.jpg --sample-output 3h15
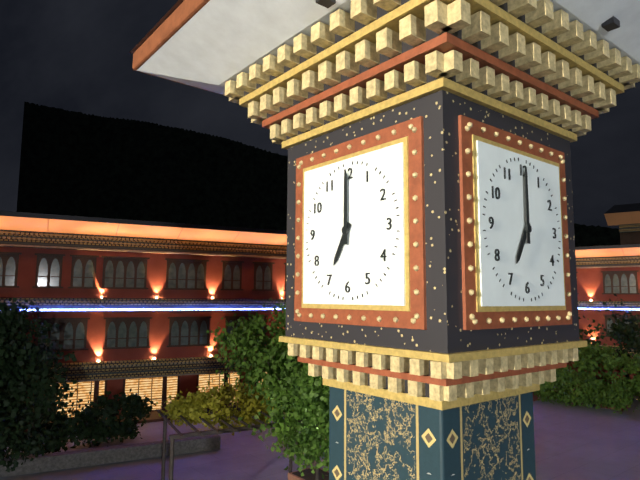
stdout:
7h00
